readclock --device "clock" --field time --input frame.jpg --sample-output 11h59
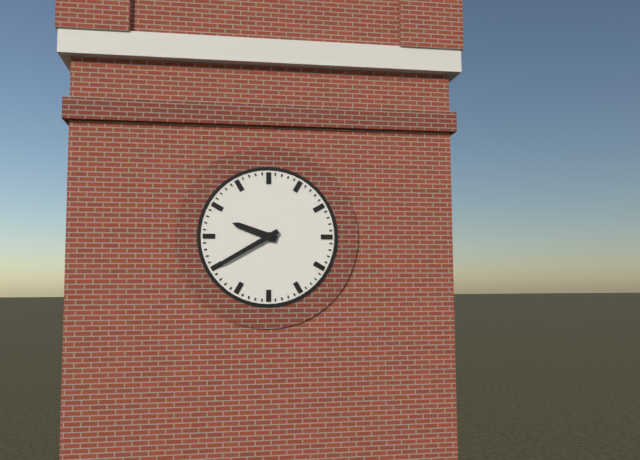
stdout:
9h40
